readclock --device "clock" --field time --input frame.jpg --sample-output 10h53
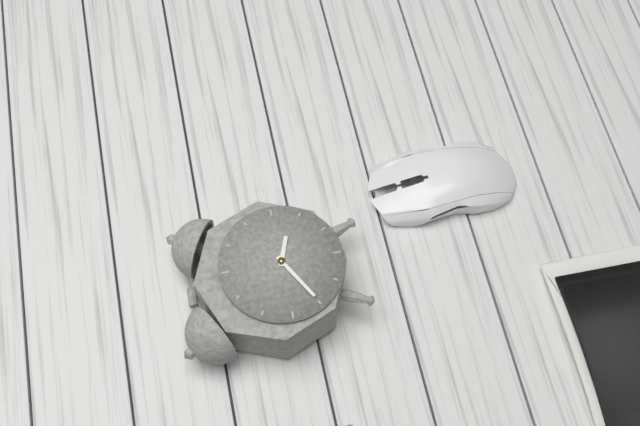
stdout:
3h40
